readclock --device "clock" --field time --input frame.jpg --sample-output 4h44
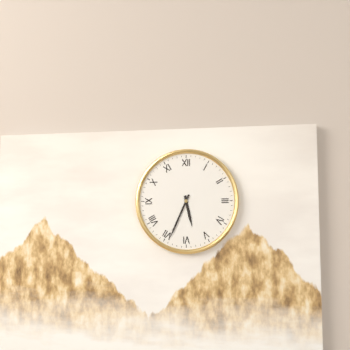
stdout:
5h34
